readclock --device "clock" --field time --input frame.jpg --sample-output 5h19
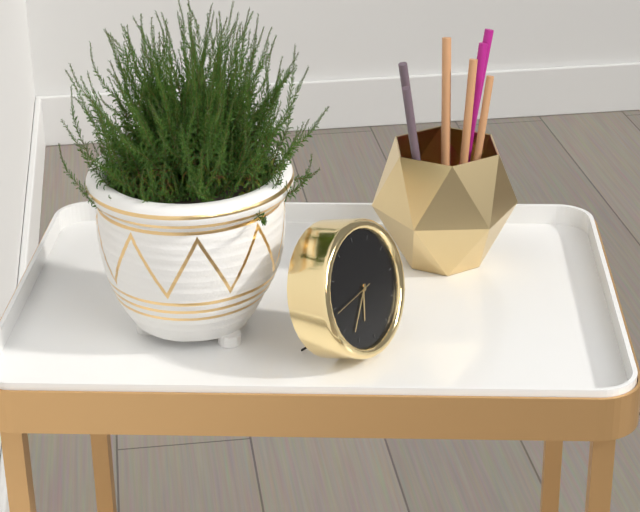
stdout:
6h37
